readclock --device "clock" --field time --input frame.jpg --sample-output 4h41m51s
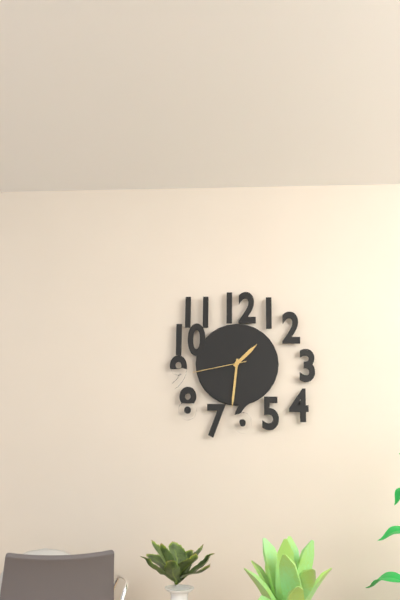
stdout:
1h31m43s
